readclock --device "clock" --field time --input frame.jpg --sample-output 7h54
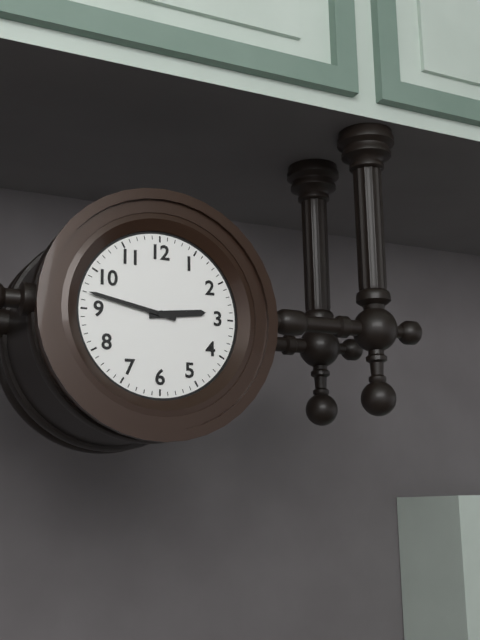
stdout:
2h47
